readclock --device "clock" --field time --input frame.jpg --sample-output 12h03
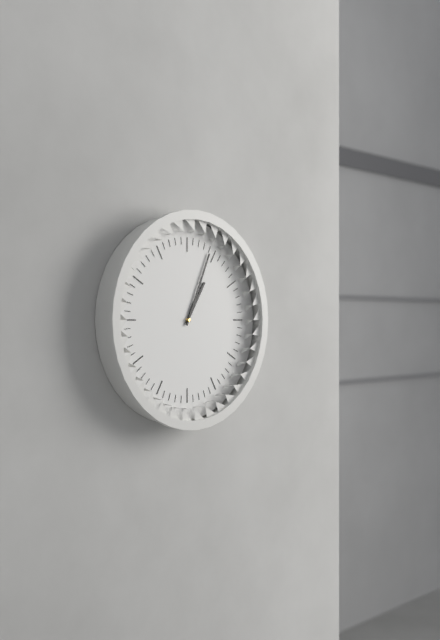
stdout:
1h04
